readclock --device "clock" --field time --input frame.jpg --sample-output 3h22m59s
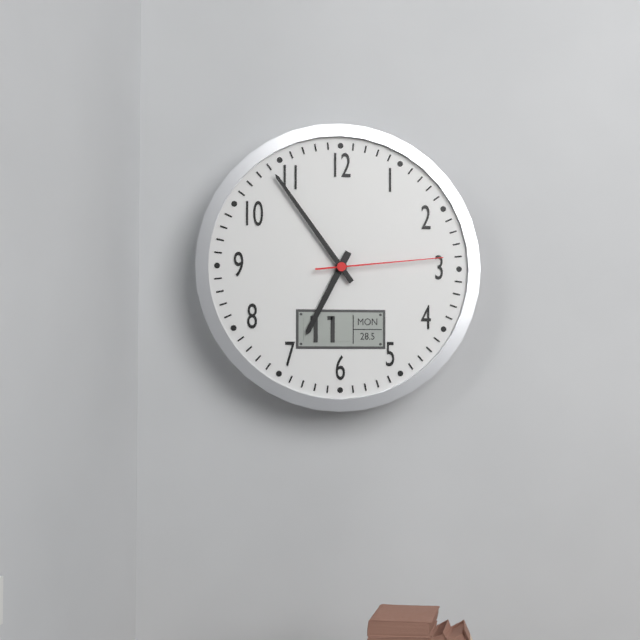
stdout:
6h54m14s
